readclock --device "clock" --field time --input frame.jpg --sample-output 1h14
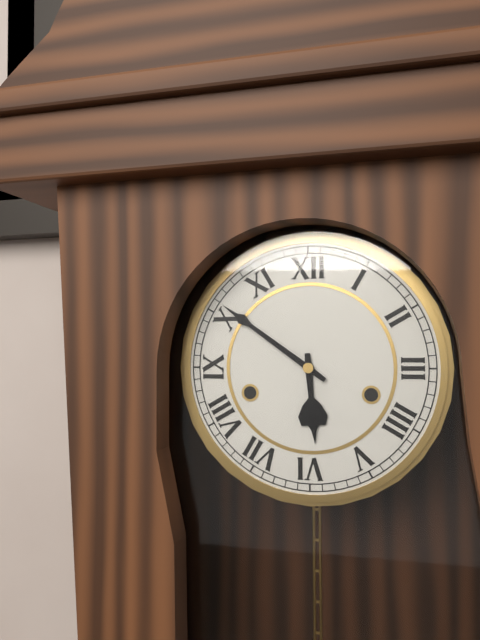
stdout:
5h51
